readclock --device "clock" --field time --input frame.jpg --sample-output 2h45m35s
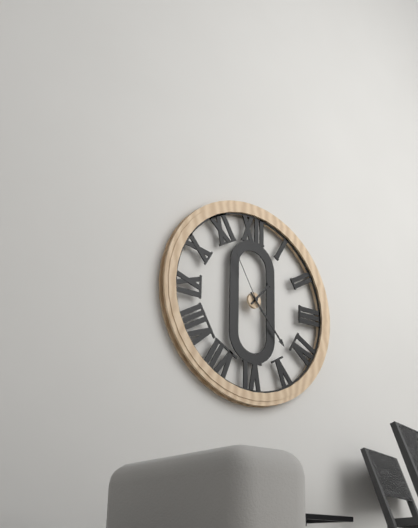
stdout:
1h23m55s
